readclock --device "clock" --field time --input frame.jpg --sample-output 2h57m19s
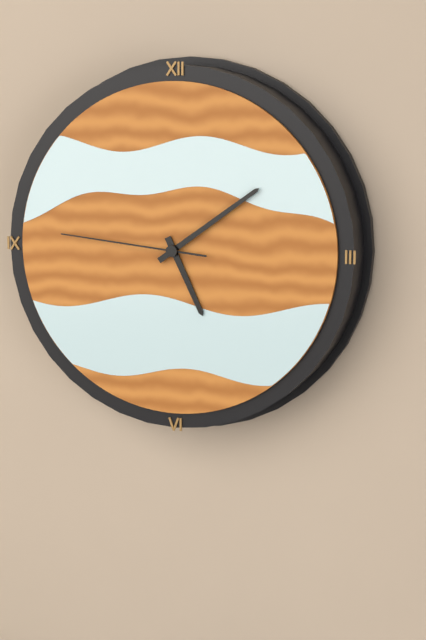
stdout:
5h09m46s
